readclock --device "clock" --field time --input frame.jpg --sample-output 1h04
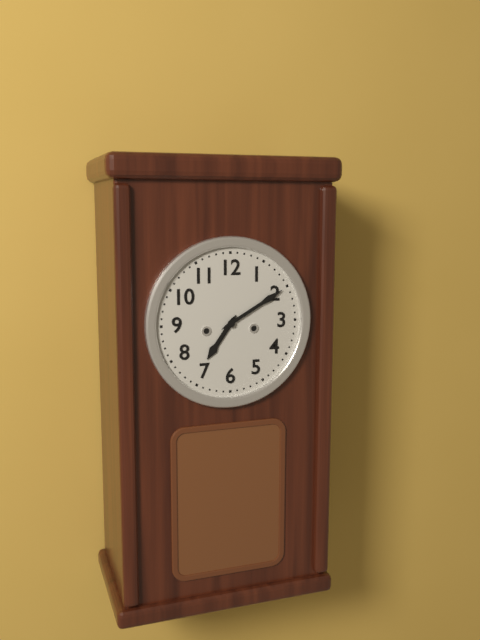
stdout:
7h10
